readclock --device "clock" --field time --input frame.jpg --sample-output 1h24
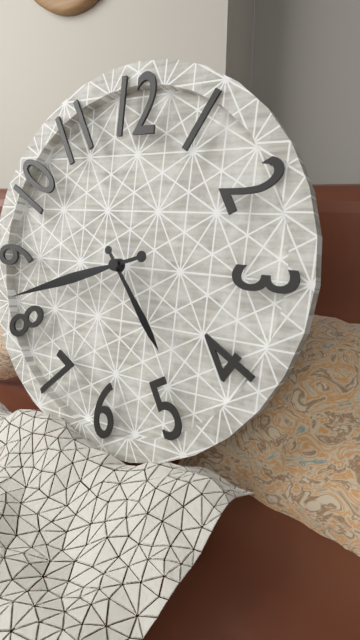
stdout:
4h42
